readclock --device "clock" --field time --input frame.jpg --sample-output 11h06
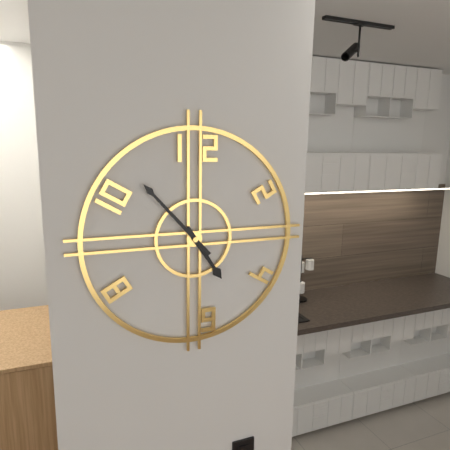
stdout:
4h53
